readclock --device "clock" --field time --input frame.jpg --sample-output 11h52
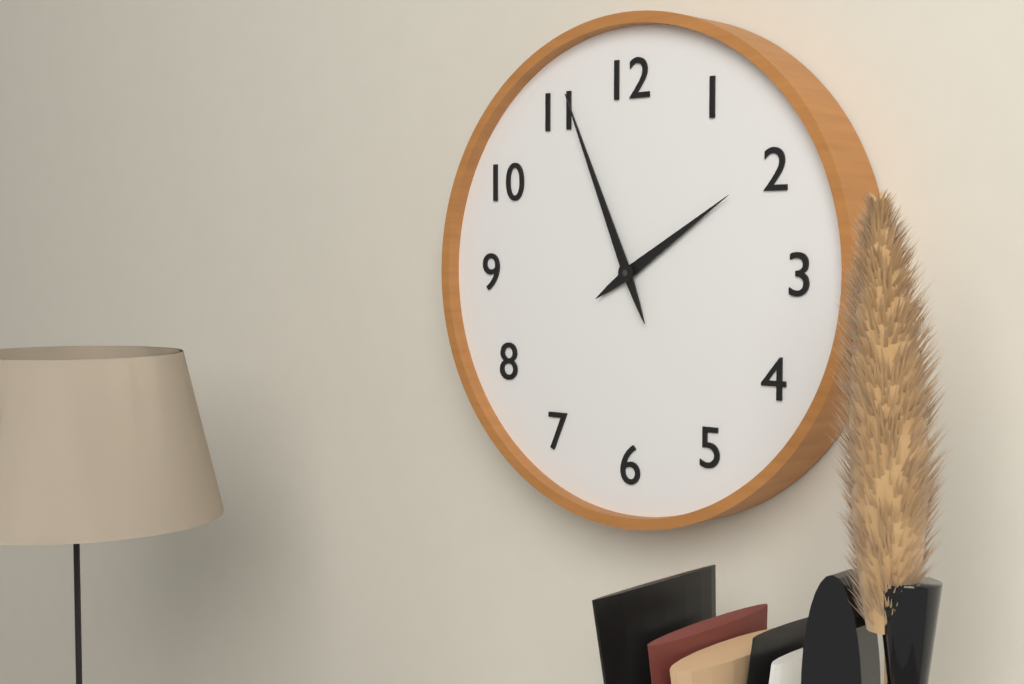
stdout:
1h56
